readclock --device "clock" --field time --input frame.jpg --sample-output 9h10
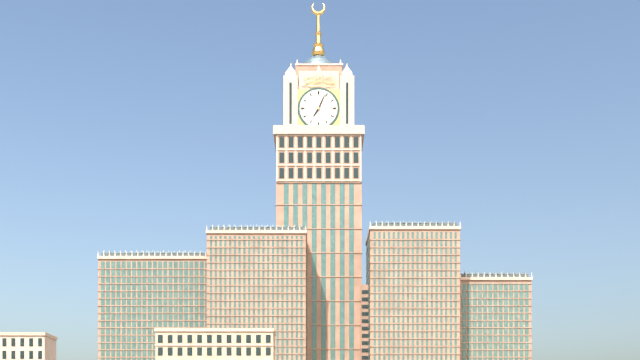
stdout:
7h04
